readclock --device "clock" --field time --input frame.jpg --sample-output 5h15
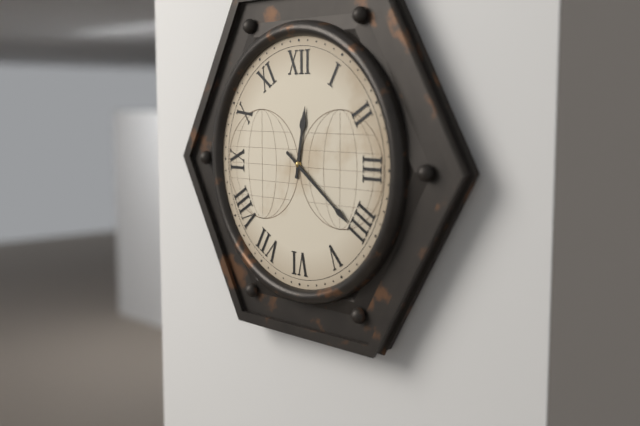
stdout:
12h21
